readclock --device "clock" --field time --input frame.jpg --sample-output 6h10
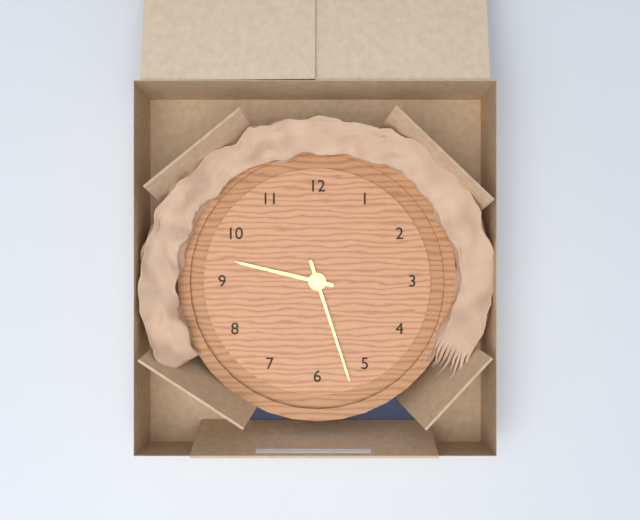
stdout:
9h27
